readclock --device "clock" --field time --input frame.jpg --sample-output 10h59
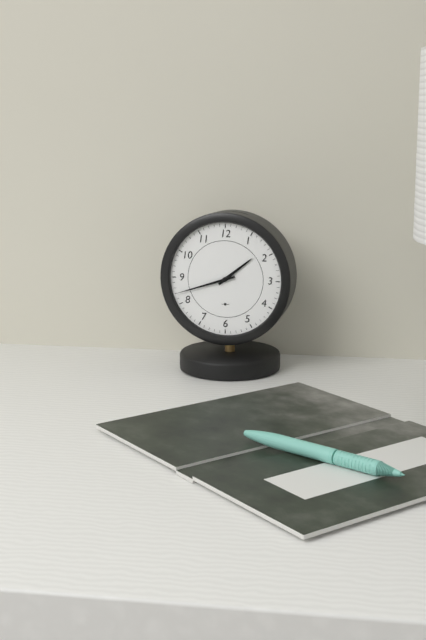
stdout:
1h42
